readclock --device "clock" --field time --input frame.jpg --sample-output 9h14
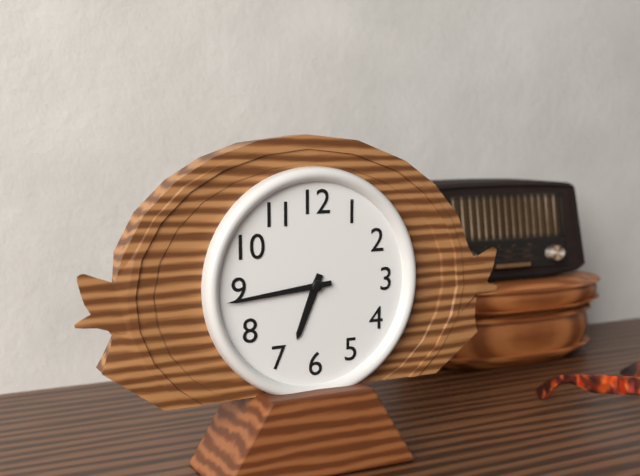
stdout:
6h44
